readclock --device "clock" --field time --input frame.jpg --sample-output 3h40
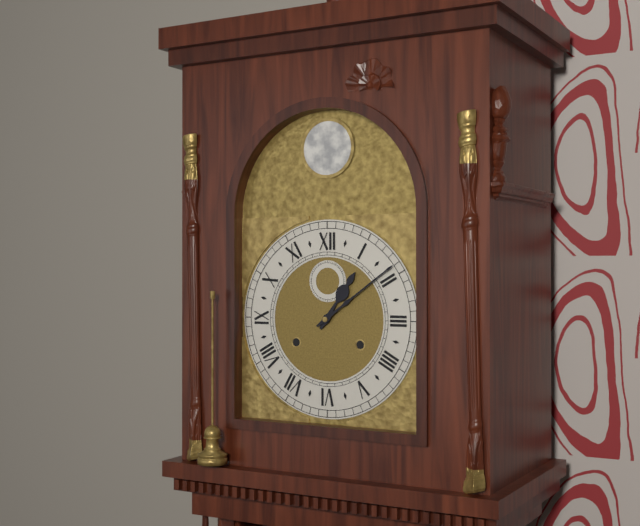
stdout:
1h09
